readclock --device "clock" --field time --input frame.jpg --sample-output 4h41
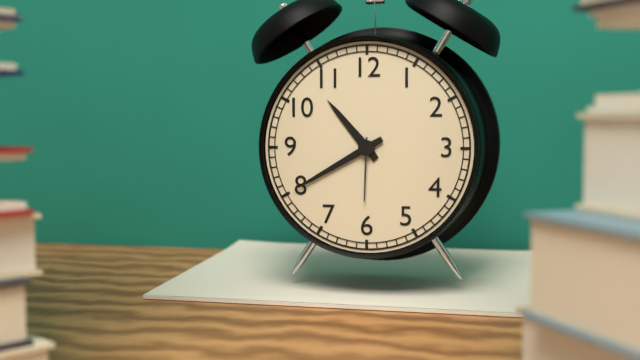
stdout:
10h40
